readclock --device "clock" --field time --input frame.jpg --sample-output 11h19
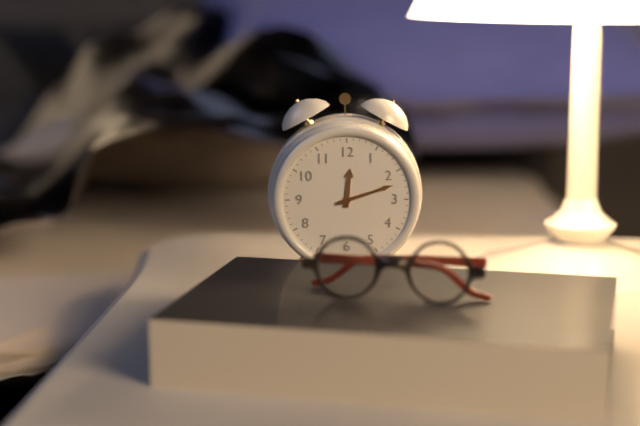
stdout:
12h12
